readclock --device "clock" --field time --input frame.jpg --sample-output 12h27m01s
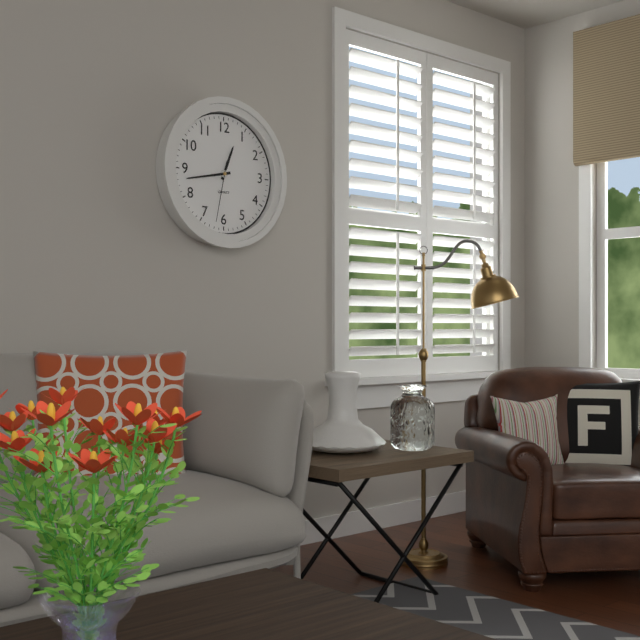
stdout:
12h43m32s
